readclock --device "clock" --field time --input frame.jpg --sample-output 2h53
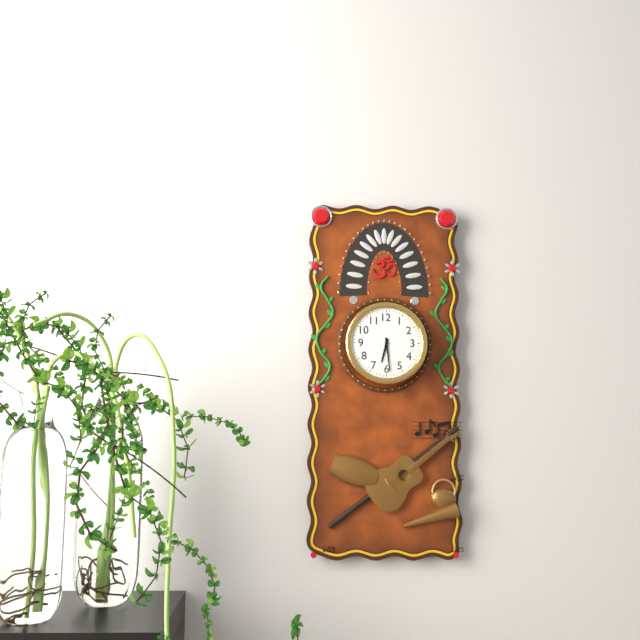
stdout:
6h29
